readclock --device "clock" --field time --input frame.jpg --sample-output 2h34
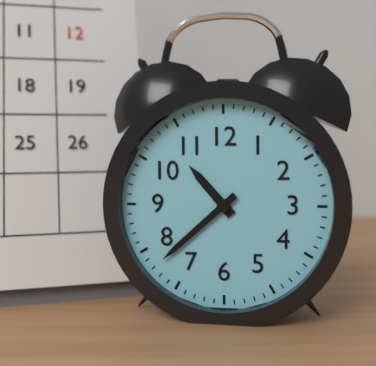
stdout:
10h38
